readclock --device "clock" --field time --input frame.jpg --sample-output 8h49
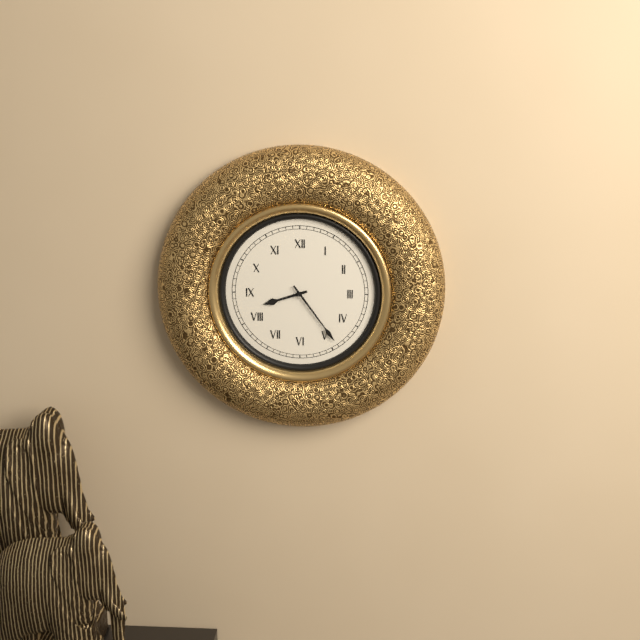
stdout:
8h24
